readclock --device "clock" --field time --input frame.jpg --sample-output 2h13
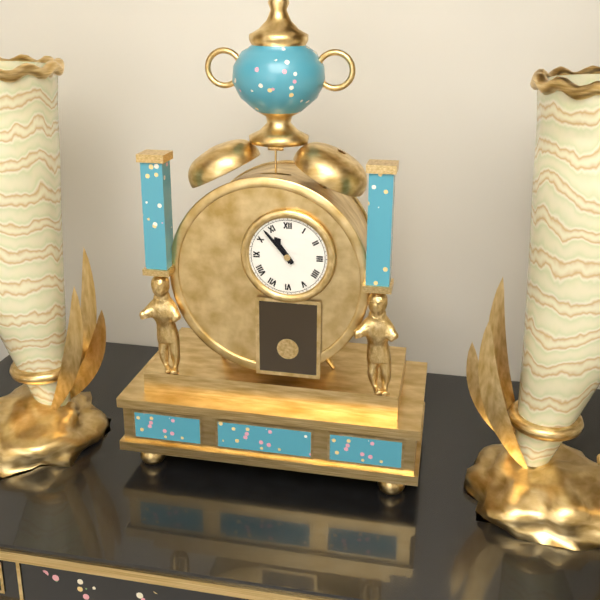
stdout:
10h53
